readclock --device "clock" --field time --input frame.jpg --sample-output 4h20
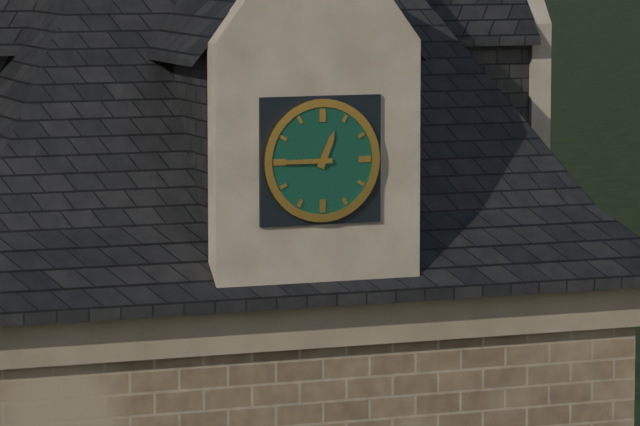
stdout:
12h45
